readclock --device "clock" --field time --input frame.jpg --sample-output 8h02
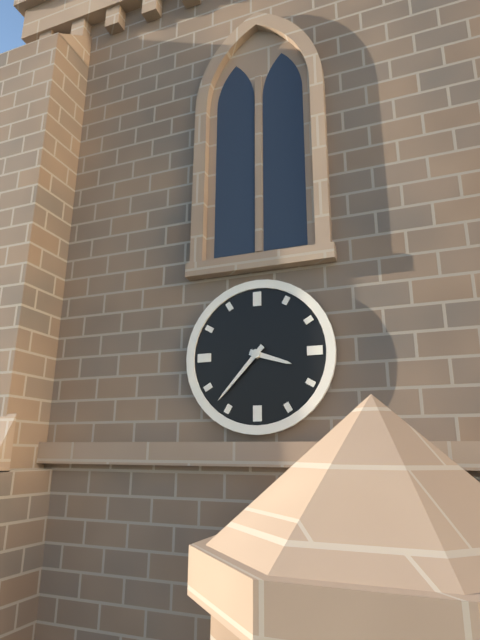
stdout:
3h37
